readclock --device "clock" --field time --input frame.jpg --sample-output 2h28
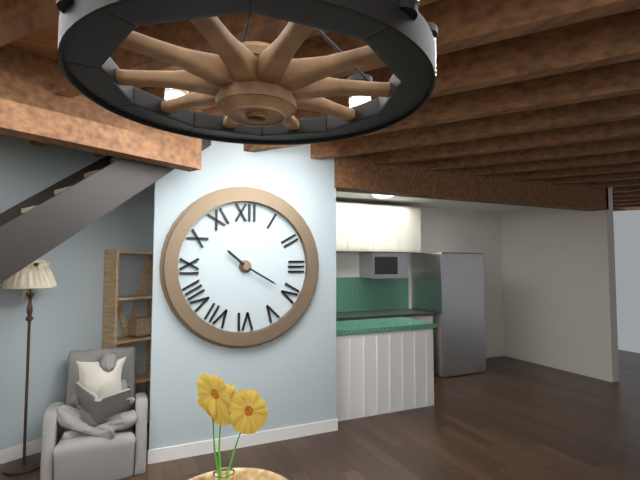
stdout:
10h20
